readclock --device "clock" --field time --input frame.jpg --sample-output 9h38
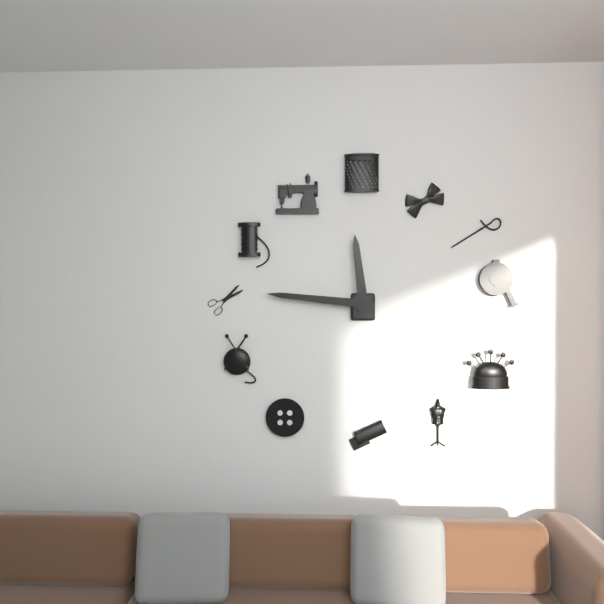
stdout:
11h46
